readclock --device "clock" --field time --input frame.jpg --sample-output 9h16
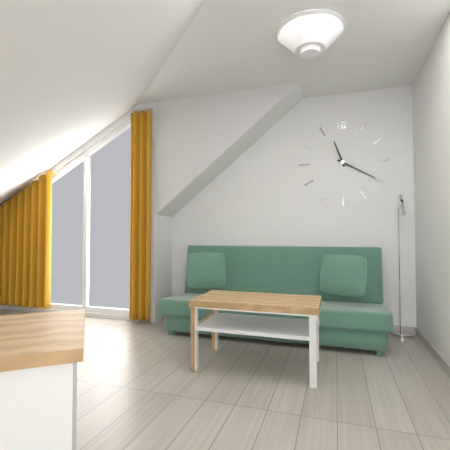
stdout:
11h20
